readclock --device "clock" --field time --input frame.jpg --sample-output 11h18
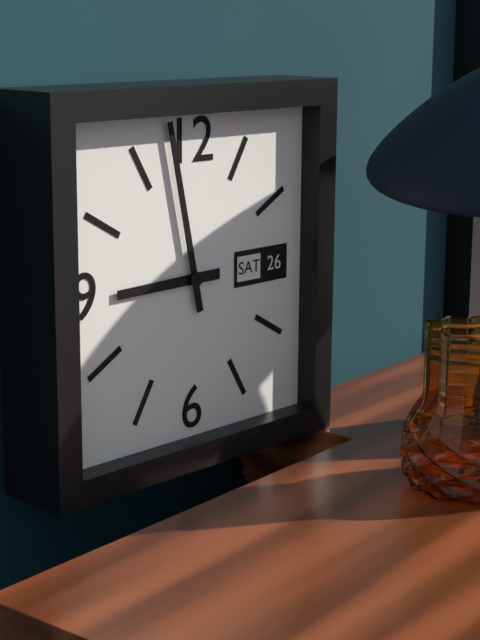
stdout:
8h58
